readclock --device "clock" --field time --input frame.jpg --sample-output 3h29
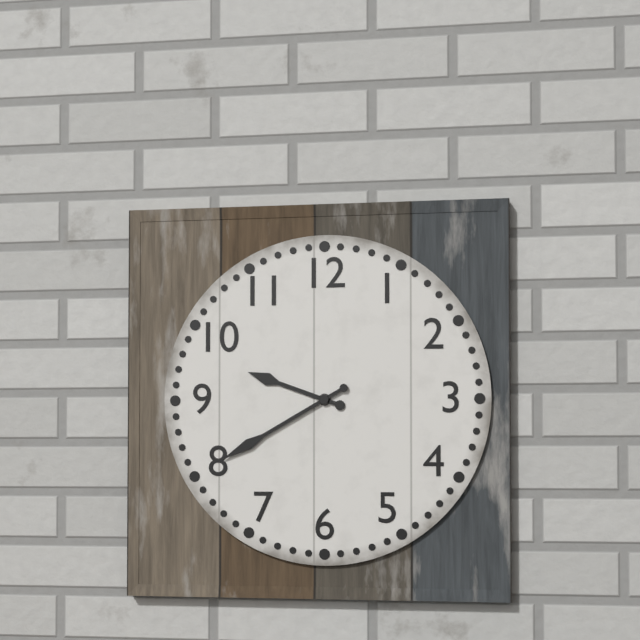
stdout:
9h40
